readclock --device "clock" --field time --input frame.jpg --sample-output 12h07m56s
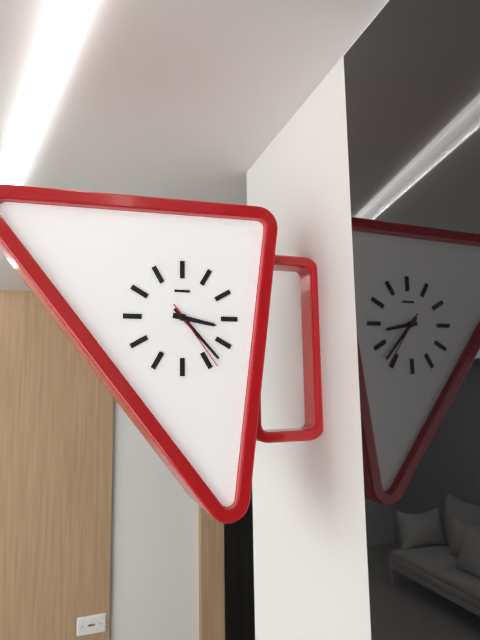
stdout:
3h23m24s
